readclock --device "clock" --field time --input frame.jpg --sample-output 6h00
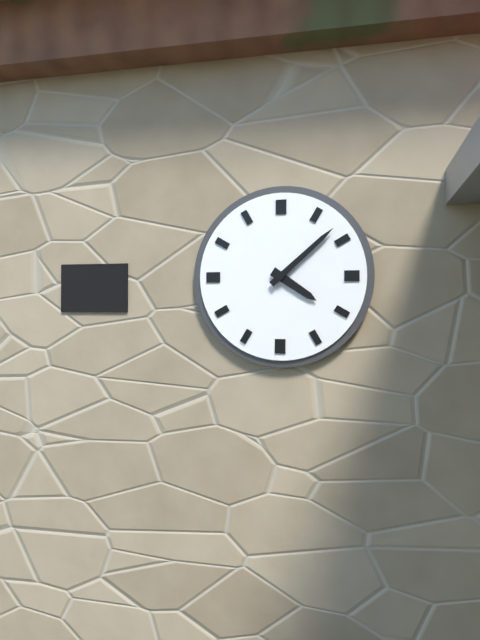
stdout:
4h08
